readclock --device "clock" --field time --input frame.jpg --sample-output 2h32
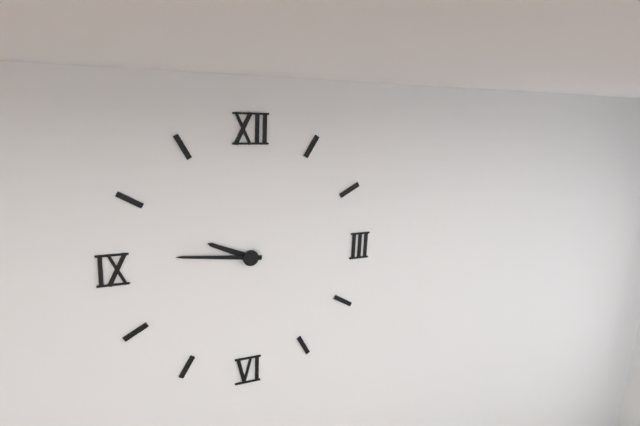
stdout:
9h46
